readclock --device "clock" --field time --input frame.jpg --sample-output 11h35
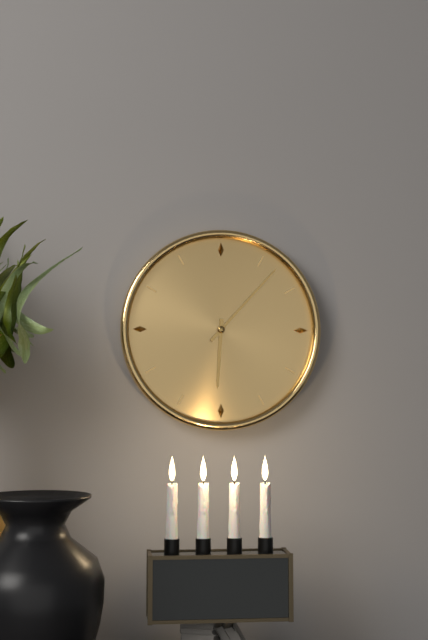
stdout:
6h07
